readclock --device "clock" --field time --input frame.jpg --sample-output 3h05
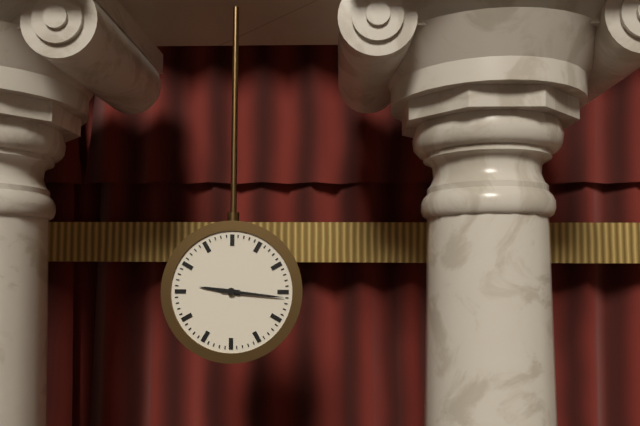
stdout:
9h16
